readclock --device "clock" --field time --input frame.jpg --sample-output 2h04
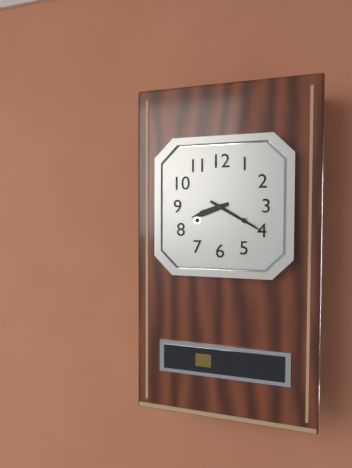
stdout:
8h20
